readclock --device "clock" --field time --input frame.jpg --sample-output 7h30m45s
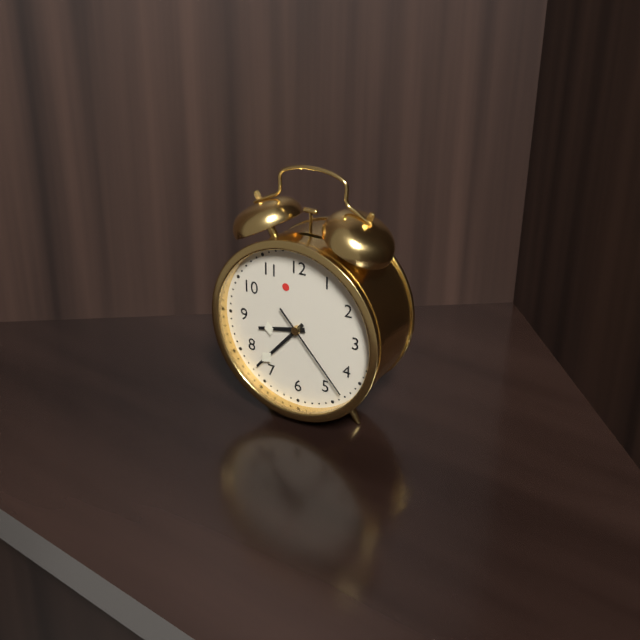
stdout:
8h37m23s
